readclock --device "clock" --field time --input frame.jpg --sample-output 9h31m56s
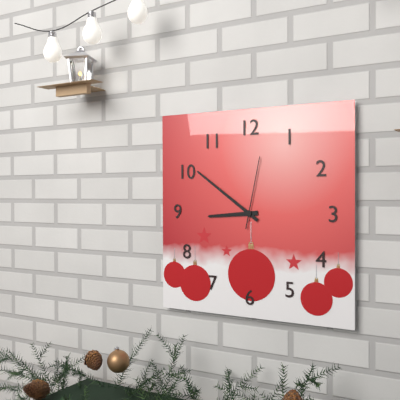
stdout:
8h51m02s
